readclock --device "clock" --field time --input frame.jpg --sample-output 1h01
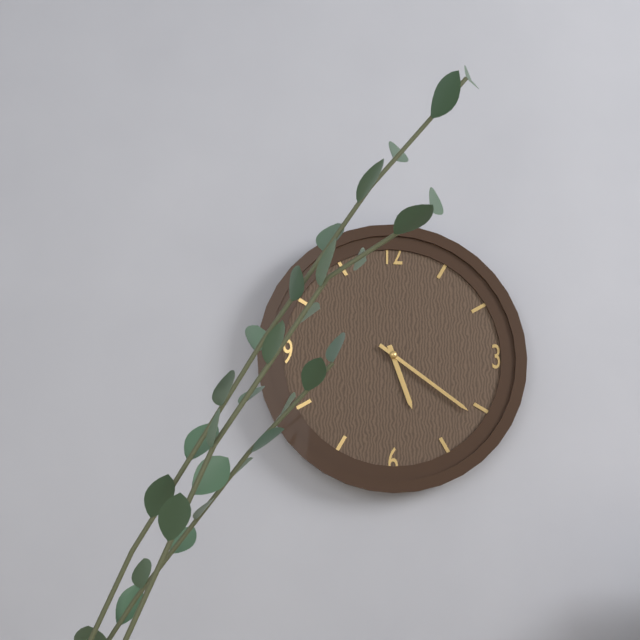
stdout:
5h21
